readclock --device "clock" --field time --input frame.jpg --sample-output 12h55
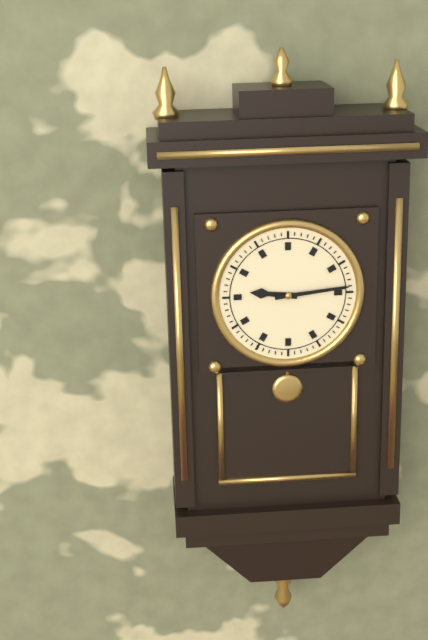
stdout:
9h14
